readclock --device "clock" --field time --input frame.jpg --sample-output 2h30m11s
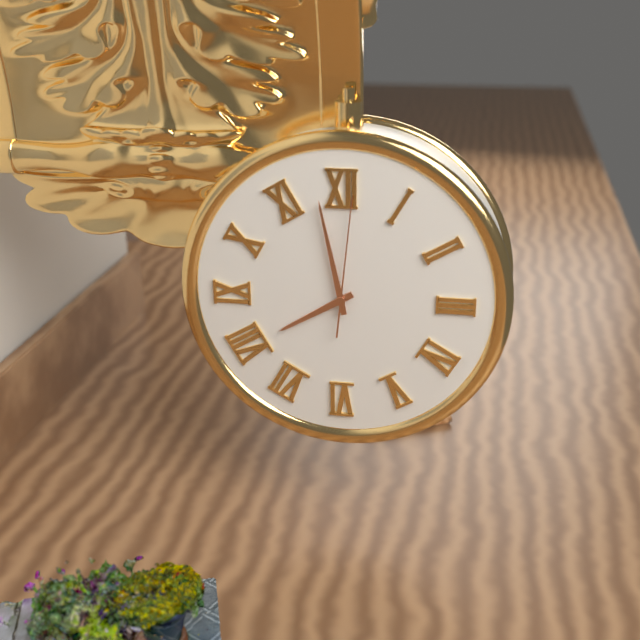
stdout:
7h58m01s
